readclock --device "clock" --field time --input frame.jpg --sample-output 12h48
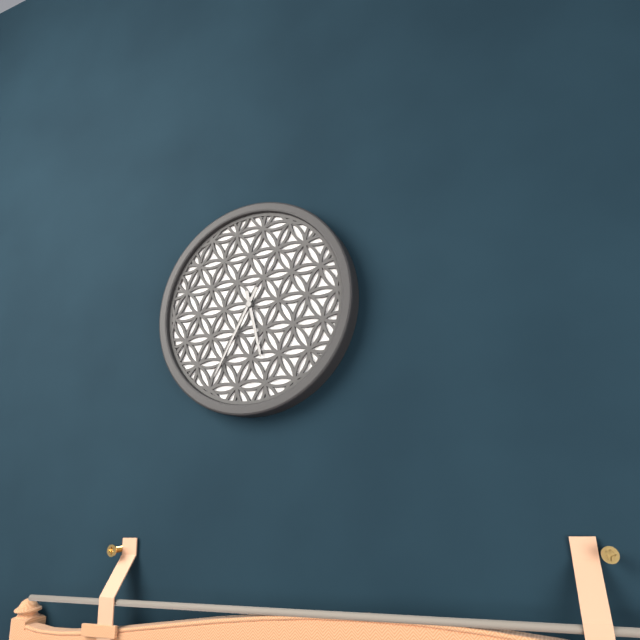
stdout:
5h35
